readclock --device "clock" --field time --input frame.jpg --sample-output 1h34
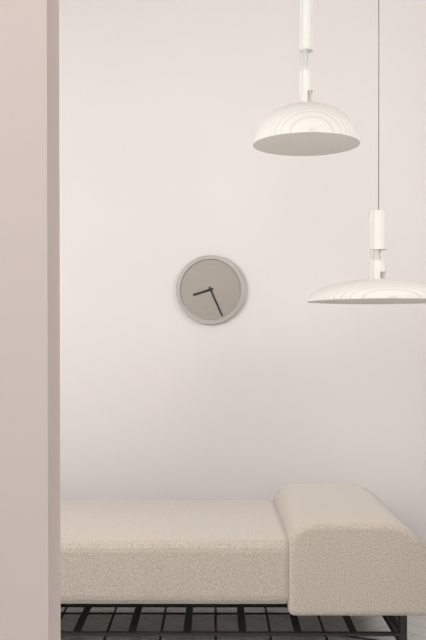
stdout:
8h26
